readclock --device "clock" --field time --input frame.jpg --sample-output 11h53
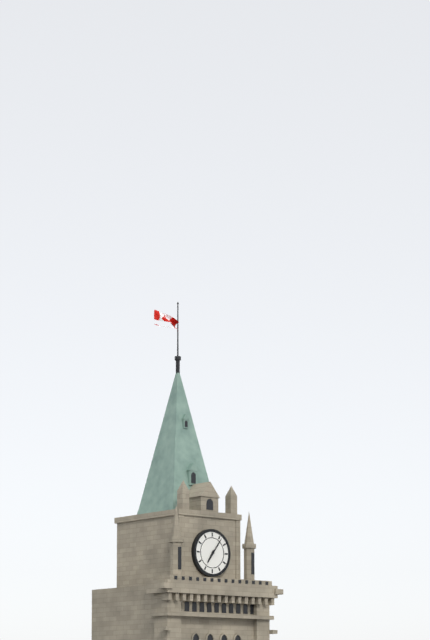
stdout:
7h06
